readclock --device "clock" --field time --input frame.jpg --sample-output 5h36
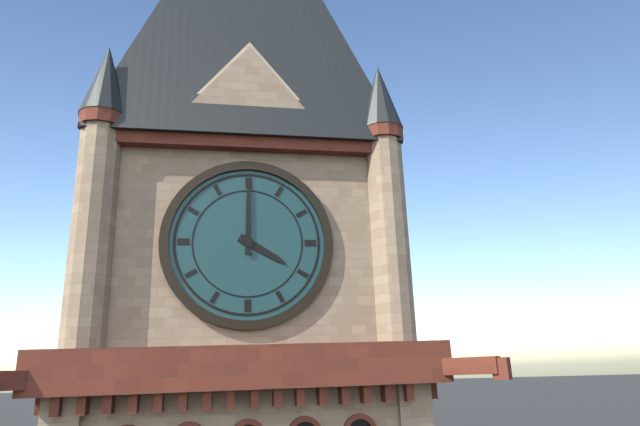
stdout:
4h00
